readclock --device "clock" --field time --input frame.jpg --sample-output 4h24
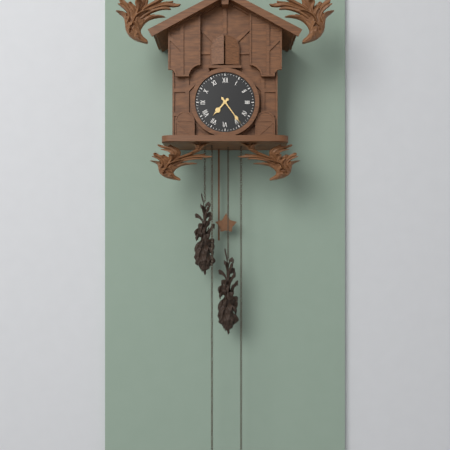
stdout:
7h24
